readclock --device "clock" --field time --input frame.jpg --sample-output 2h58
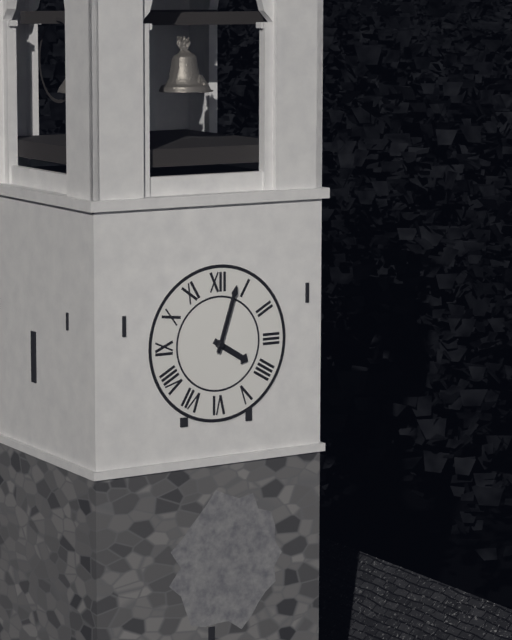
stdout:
4h03
